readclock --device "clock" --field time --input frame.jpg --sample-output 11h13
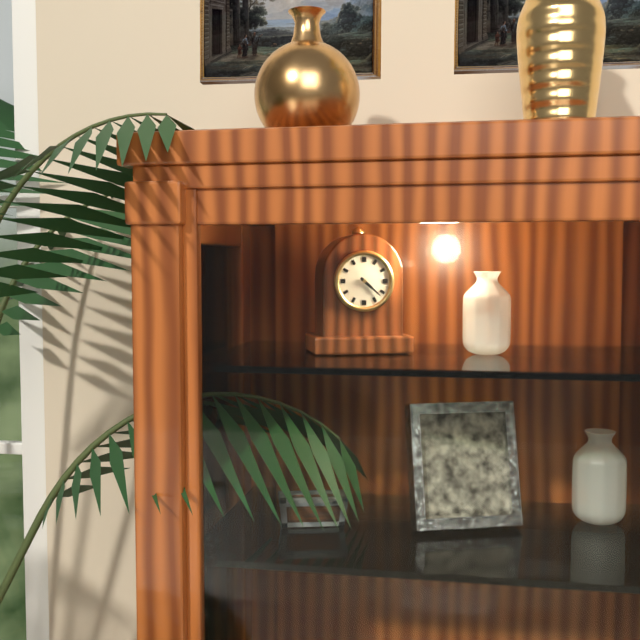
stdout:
4h22
